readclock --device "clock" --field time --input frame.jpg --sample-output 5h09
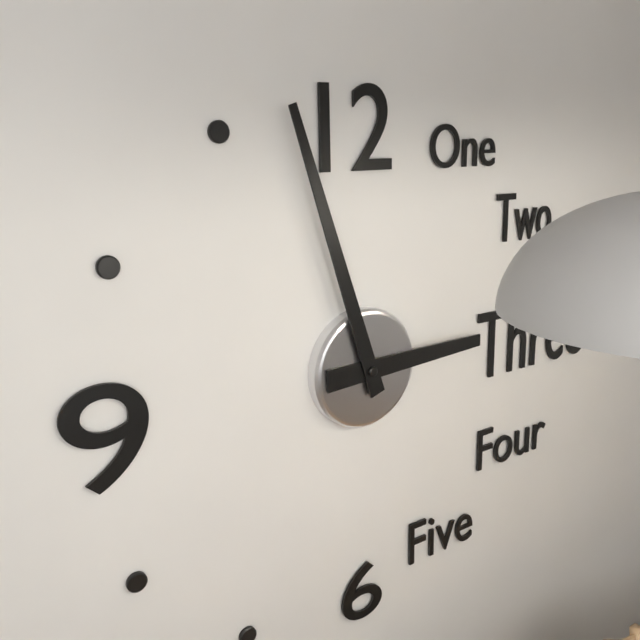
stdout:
2h57
